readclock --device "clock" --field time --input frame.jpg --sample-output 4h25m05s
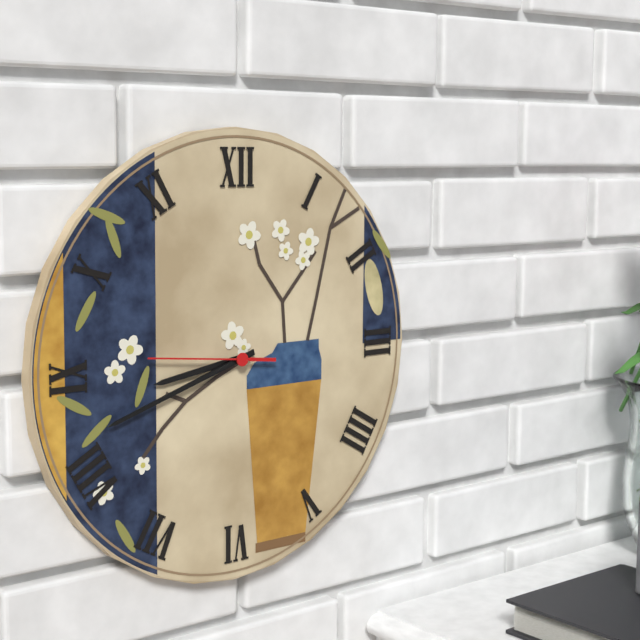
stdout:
8h42m46s
